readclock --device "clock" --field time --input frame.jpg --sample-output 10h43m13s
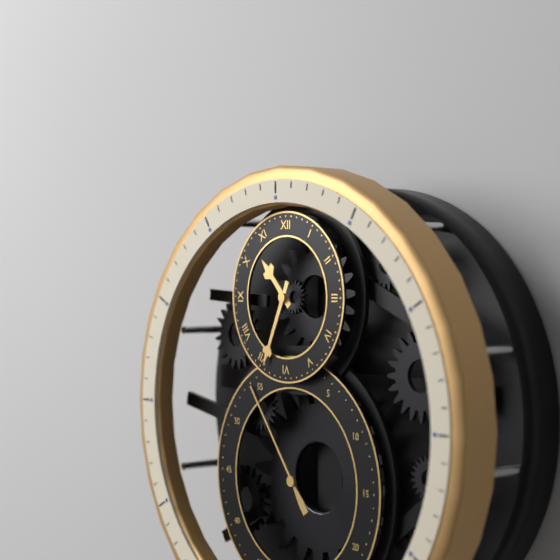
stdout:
10h34m54s
